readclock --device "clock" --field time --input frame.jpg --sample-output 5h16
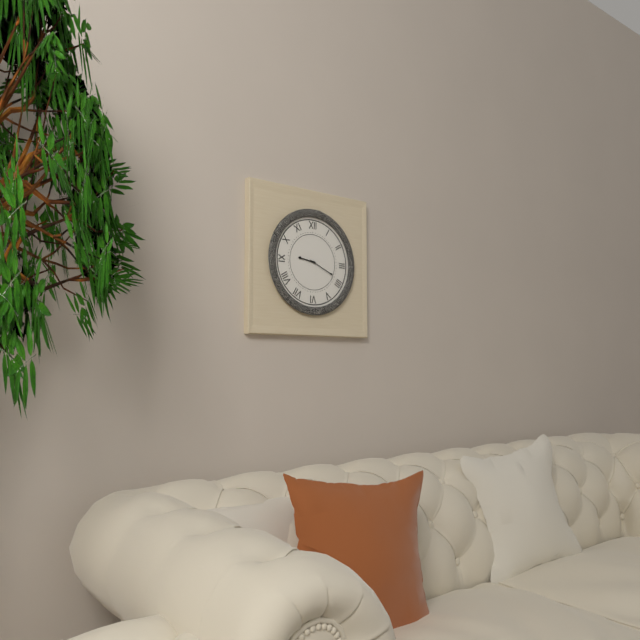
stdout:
9h19
